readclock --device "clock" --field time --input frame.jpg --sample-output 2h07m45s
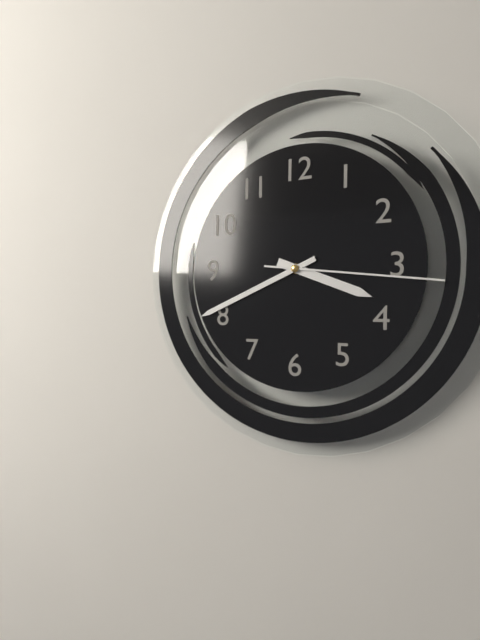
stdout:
3h41m16s
